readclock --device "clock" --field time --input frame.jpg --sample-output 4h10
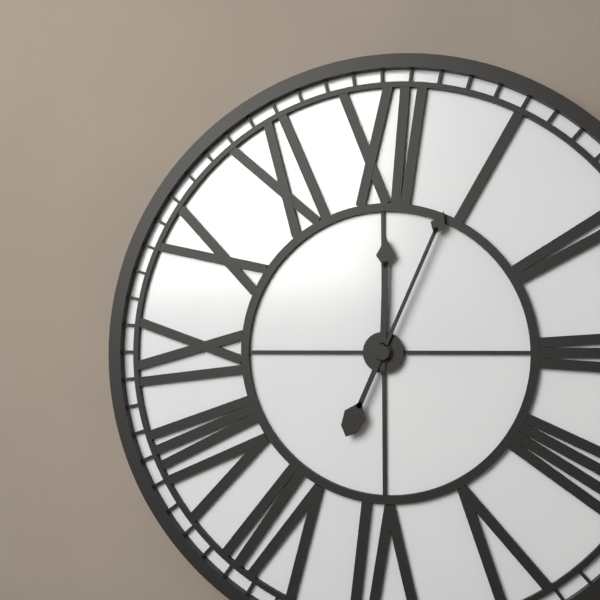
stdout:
12h04
